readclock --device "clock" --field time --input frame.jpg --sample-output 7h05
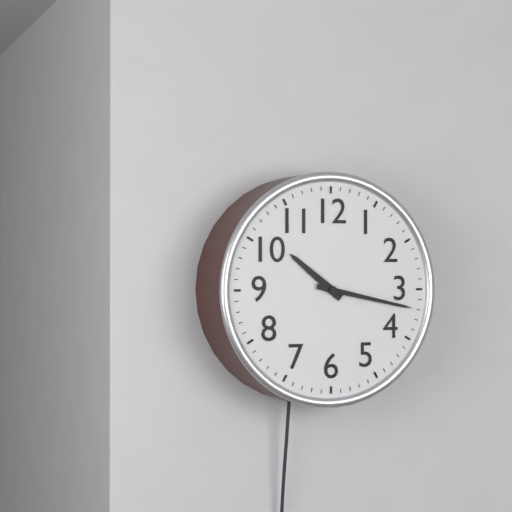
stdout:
10h17
